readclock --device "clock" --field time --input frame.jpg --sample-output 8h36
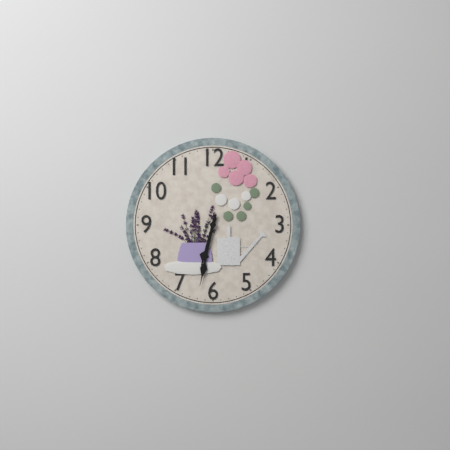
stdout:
6h32
